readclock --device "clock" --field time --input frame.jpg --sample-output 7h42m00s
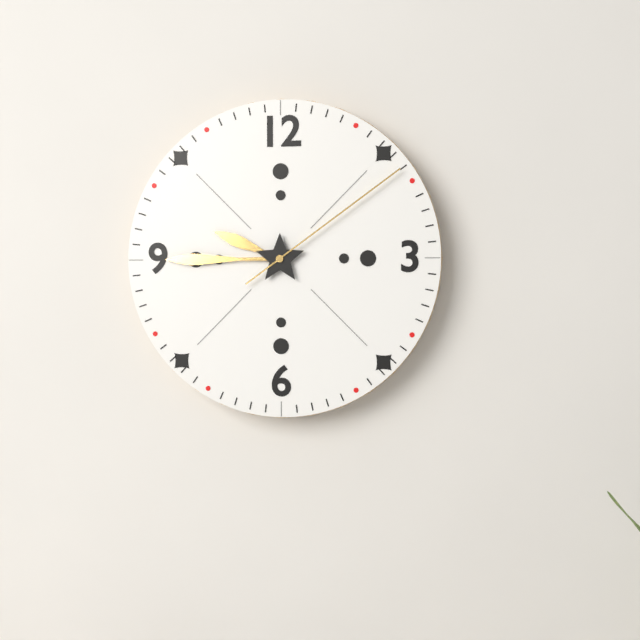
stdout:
9h45m09s
